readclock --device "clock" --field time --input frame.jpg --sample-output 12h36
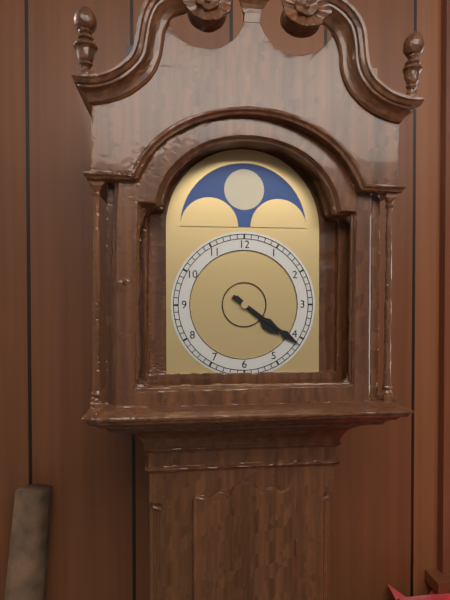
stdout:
4h21
